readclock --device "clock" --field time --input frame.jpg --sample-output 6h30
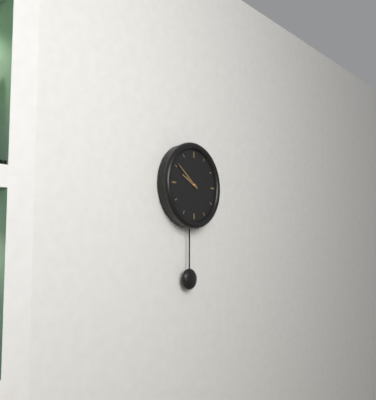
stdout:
9h51
